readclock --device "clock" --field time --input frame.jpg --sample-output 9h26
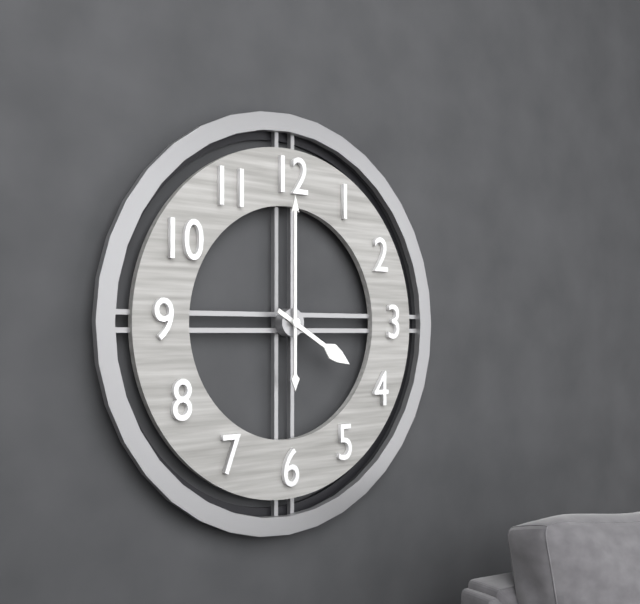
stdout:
4h00
